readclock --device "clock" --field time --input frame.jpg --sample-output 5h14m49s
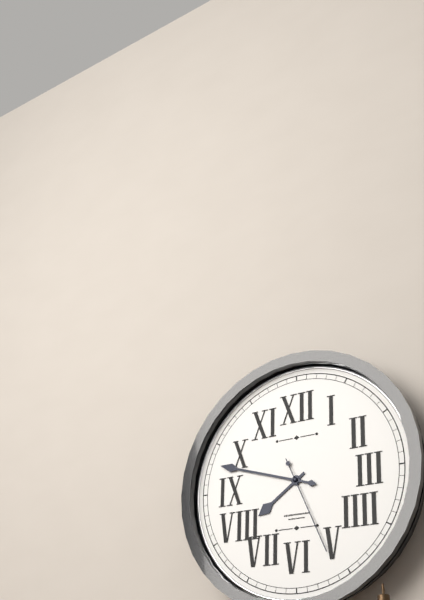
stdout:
7h48m26s
